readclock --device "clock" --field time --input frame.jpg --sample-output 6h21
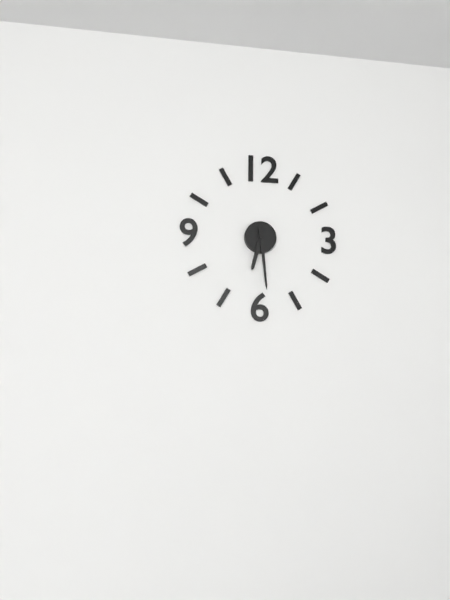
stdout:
6h29
